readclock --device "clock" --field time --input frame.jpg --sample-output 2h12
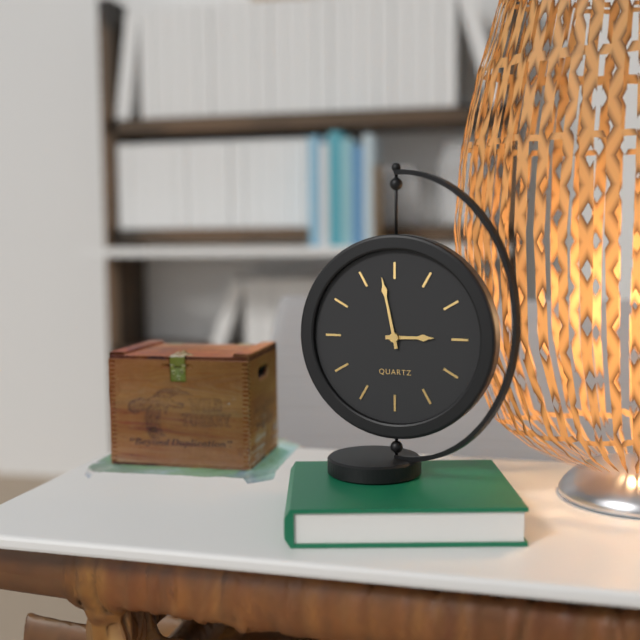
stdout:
2h58
